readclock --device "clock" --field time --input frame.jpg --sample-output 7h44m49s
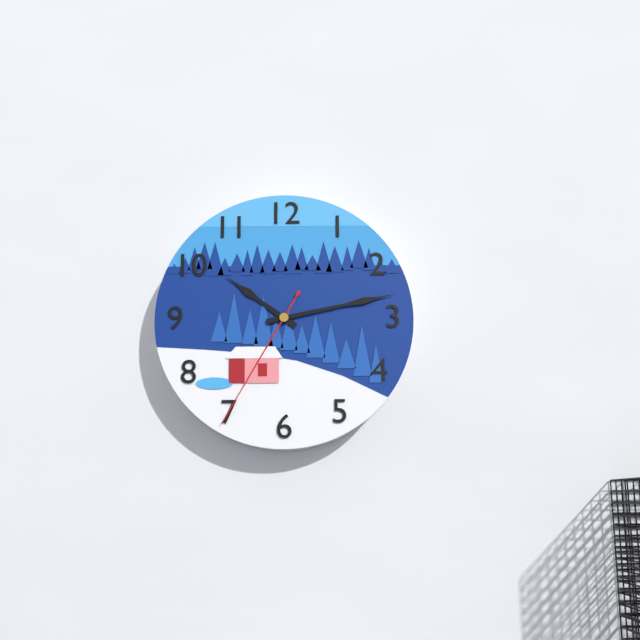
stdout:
10h13m35s
